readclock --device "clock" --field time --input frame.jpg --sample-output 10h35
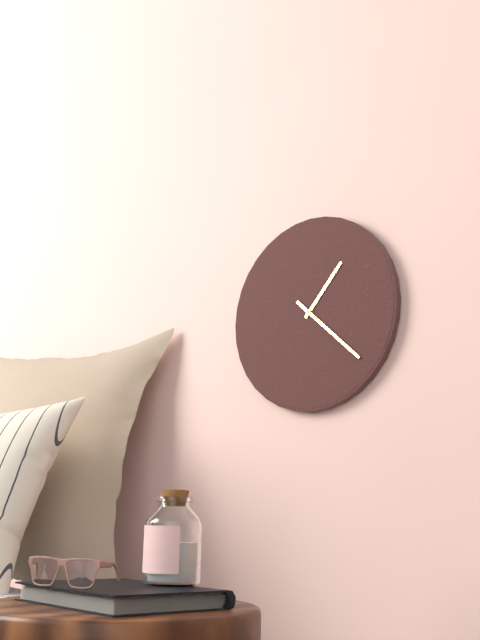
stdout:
1h22
